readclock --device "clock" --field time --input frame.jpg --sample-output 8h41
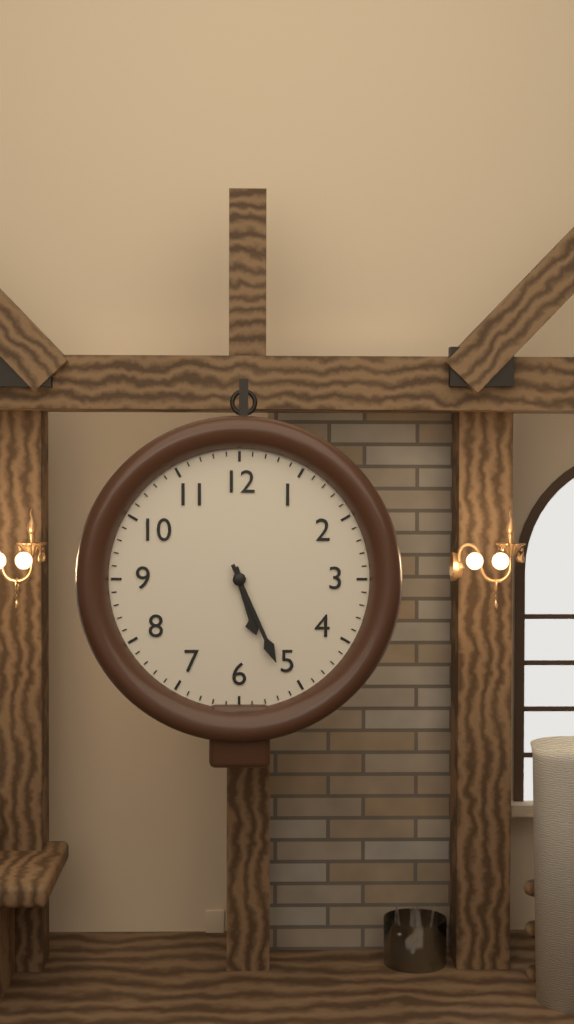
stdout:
5h26
